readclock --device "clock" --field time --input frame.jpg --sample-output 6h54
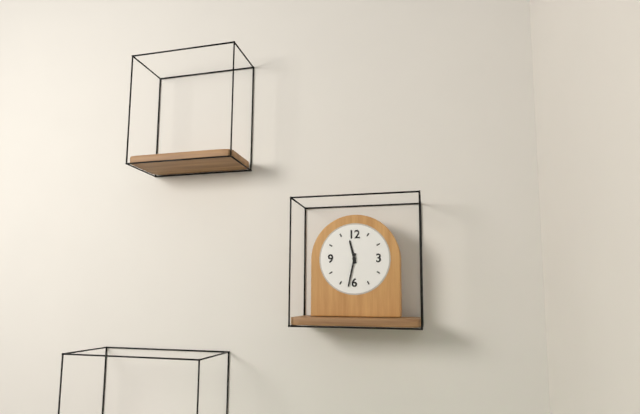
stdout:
11h32
